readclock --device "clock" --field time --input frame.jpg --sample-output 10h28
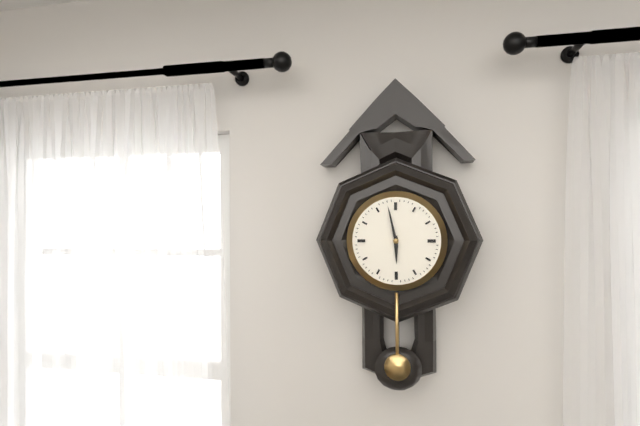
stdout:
5h58
